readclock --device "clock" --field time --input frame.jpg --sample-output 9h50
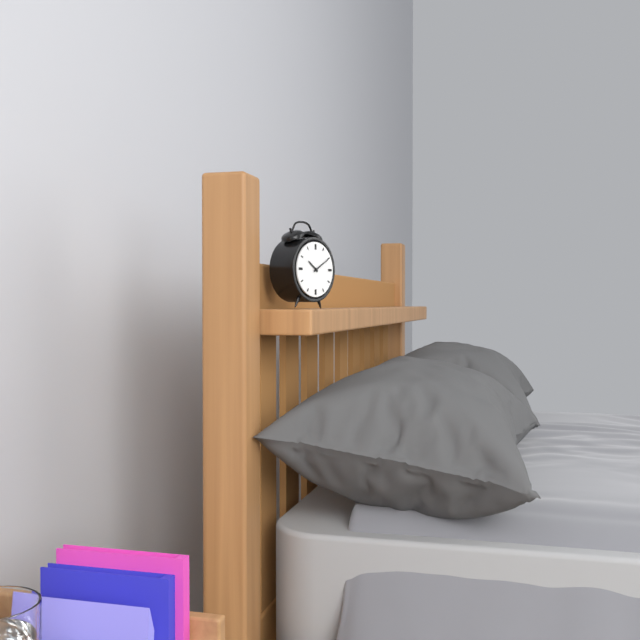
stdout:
10h10
